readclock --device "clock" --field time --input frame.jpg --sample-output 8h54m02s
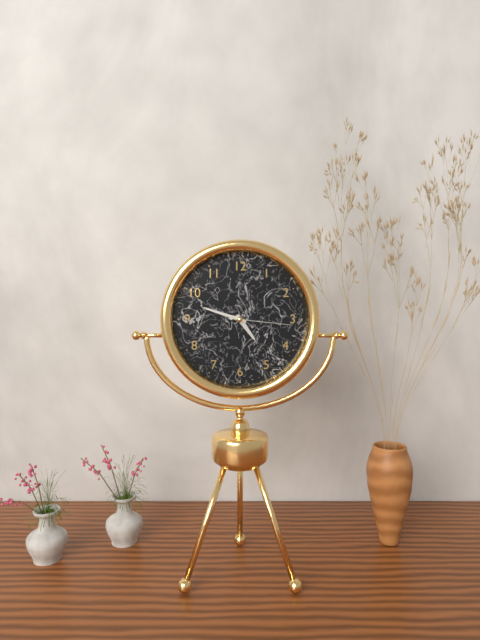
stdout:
4h48m16s
